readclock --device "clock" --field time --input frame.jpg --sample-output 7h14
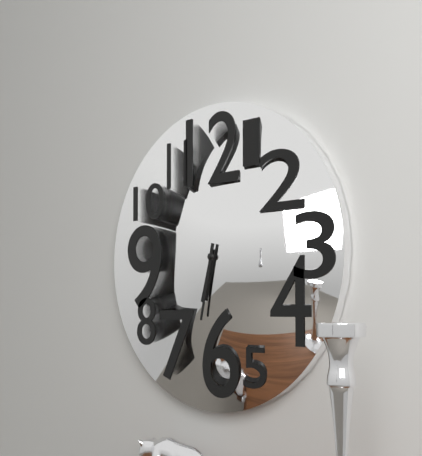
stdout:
6h32
